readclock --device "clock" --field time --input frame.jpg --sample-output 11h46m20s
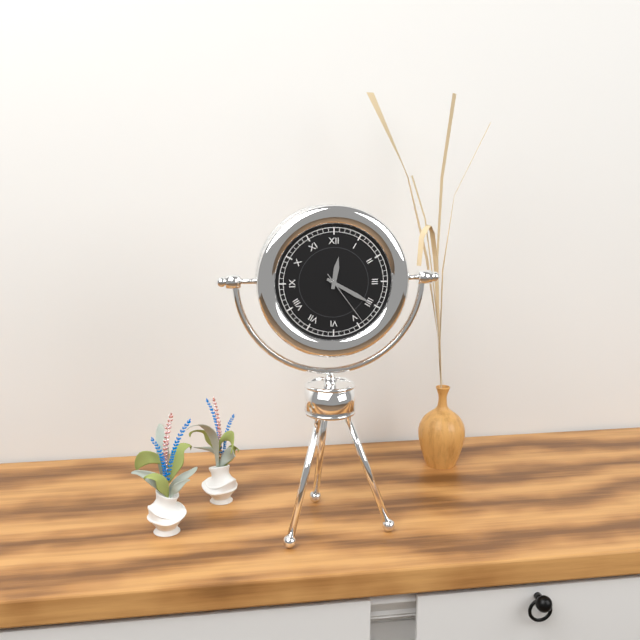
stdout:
12h20m24s
